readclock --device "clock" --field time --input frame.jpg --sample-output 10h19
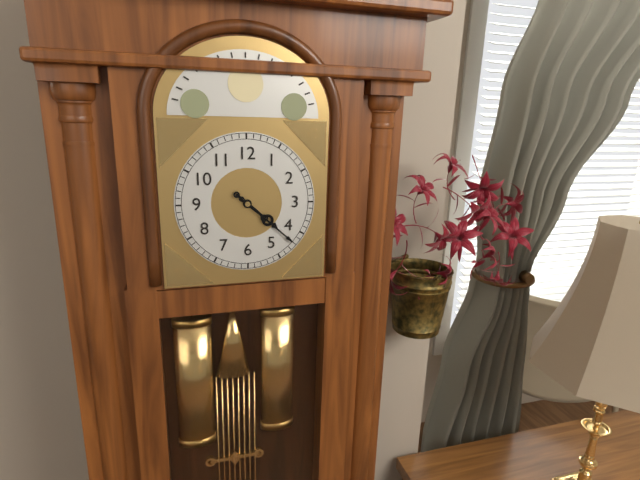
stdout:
4h22
